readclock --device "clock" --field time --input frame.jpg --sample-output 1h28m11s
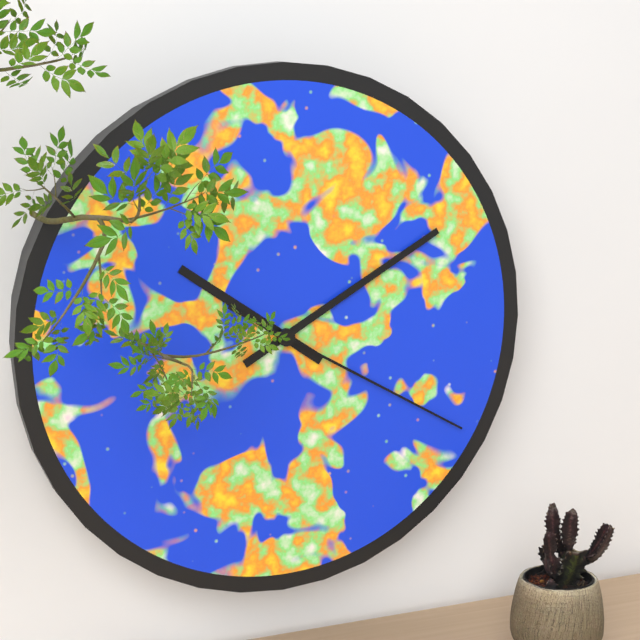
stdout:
10h10m20s
